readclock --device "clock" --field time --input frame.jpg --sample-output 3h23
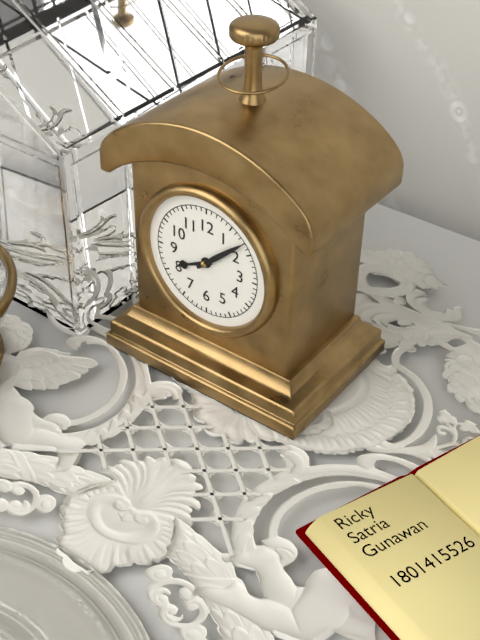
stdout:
8h08
